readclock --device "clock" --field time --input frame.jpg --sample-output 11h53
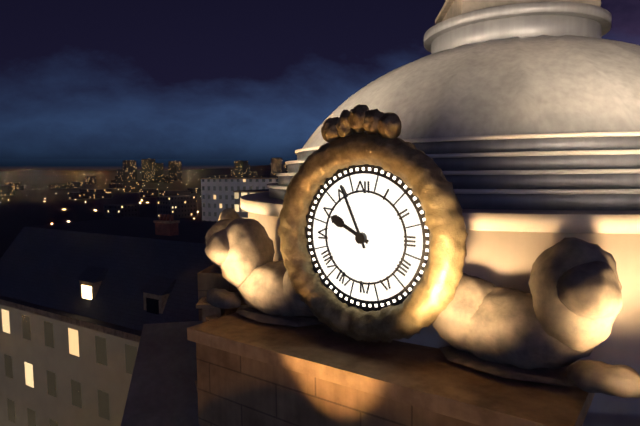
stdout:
9h56
